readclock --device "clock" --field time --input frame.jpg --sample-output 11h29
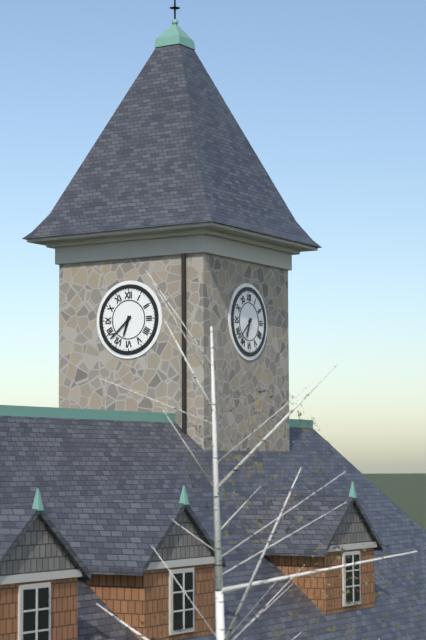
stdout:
6h38
